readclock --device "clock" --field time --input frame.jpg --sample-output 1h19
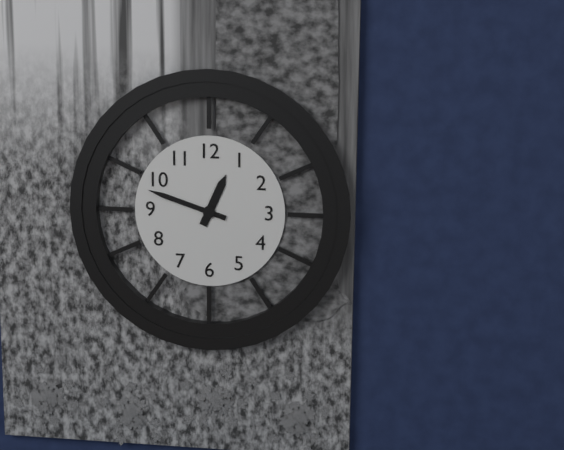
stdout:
12h48
